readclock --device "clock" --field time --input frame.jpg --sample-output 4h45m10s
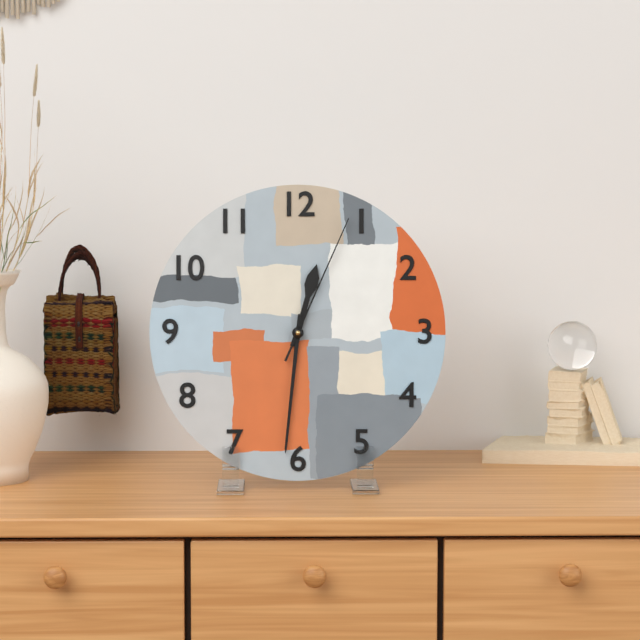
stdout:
12h31m04s
